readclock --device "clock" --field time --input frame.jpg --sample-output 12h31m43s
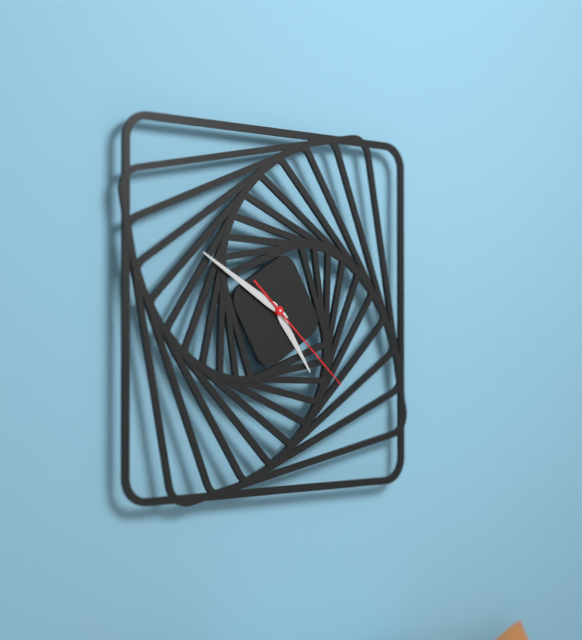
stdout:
4h50m22s
